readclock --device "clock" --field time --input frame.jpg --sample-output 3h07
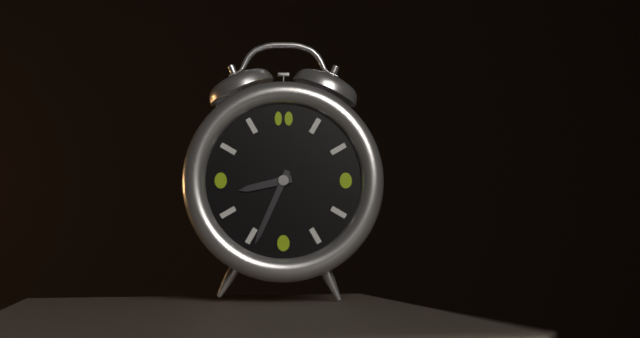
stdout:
8h34
